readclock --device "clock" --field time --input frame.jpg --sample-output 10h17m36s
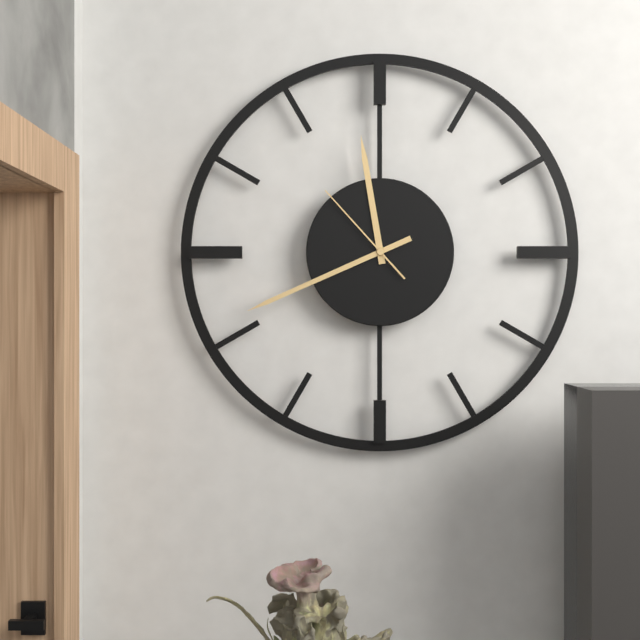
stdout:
11h41m53s
